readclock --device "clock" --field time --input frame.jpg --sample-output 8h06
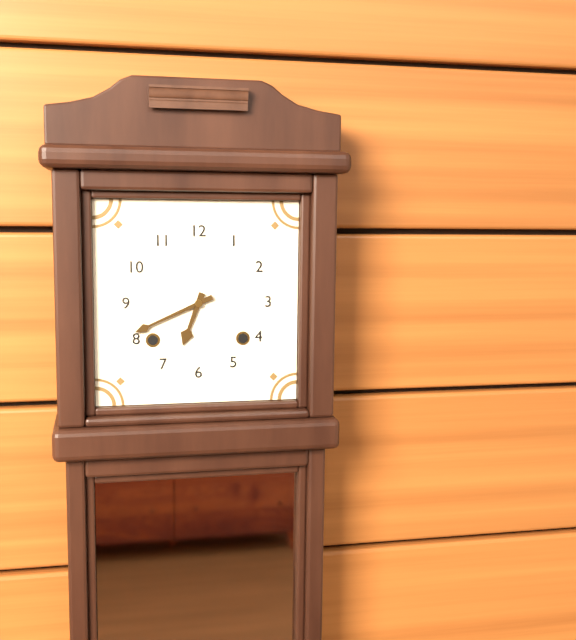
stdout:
6h41
